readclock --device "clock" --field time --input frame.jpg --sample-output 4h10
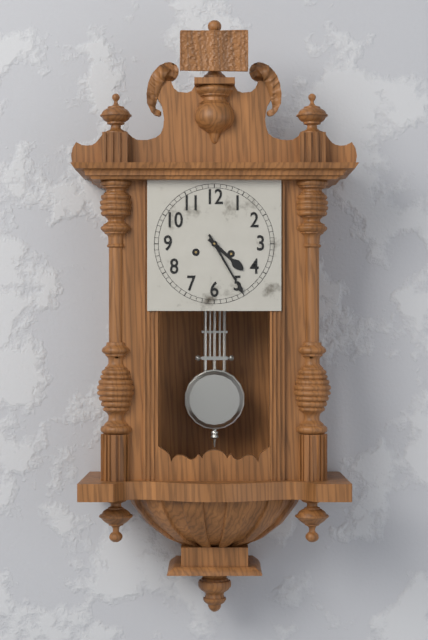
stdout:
4h25
